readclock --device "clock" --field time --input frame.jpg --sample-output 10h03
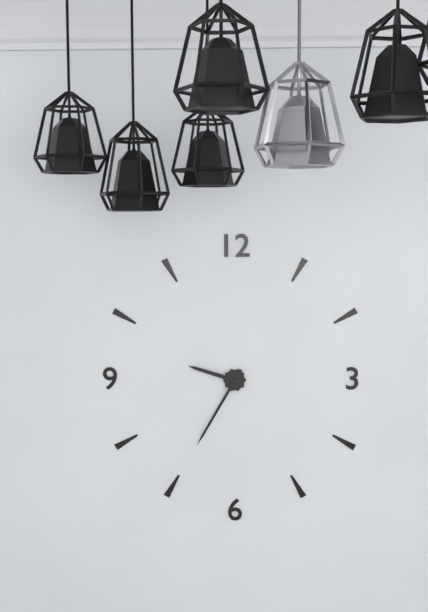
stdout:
9h35
